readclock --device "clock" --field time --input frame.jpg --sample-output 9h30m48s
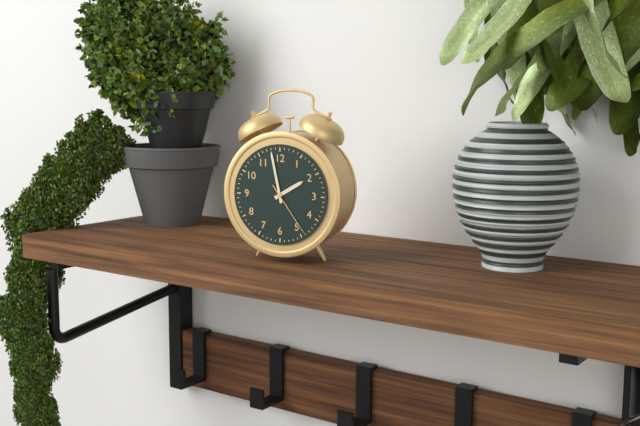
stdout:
1h58m24s
